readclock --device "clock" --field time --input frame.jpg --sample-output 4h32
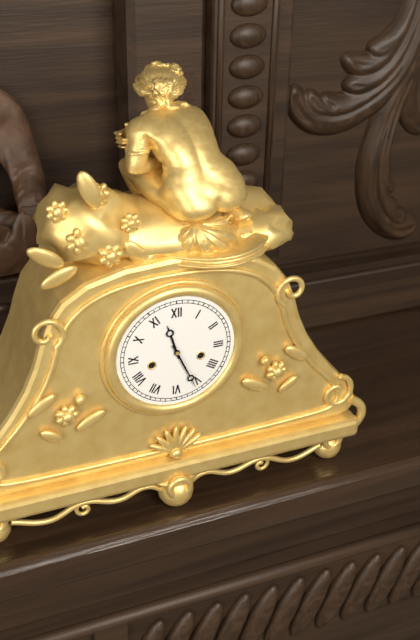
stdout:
11h26
